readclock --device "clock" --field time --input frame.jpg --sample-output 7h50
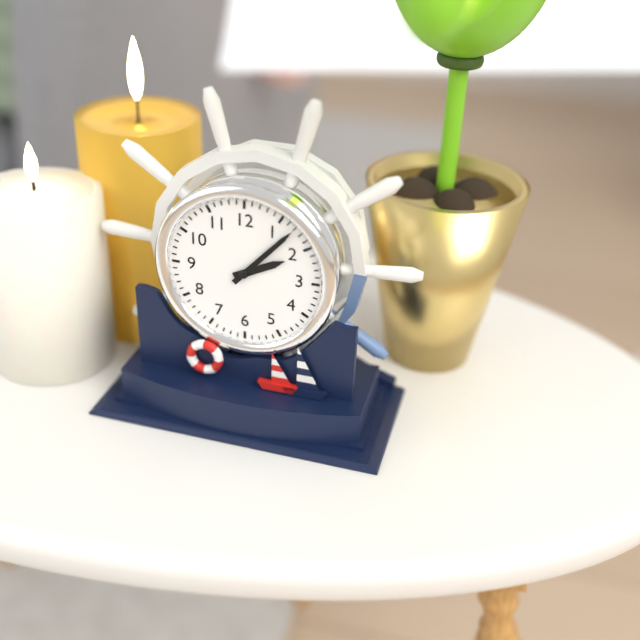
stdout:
2h07
